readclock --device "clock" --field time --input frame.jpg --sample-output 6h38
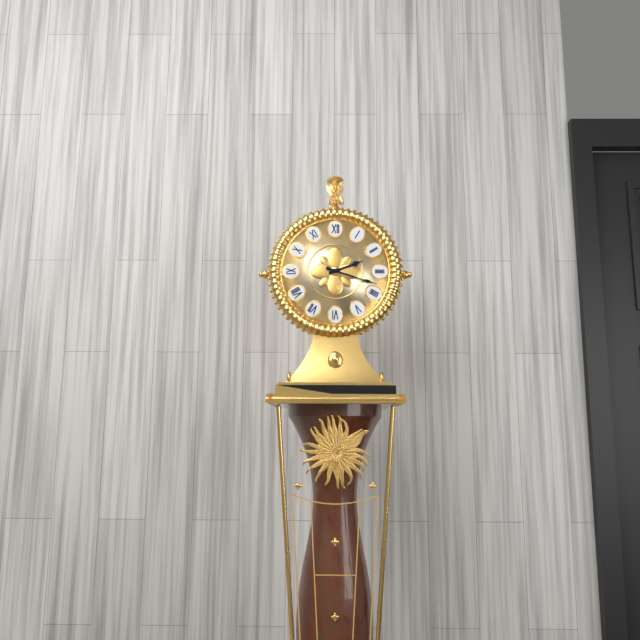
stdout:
2h18
